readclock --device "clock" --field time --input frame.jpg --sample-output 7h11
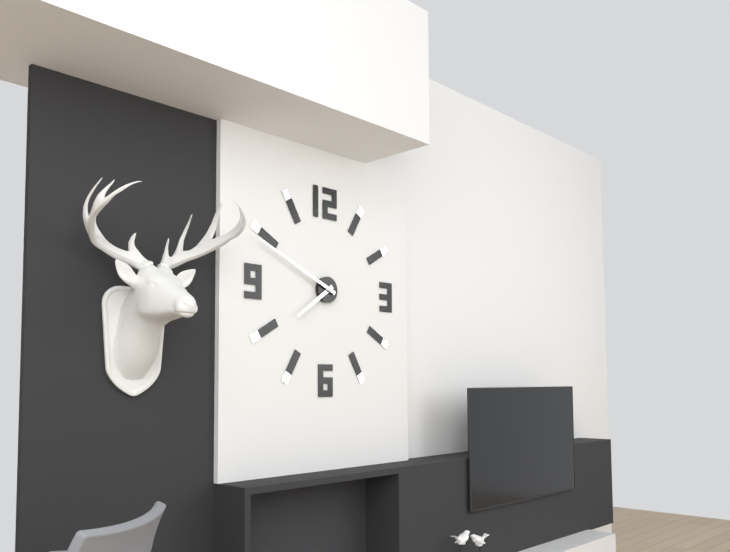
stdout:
7h49
